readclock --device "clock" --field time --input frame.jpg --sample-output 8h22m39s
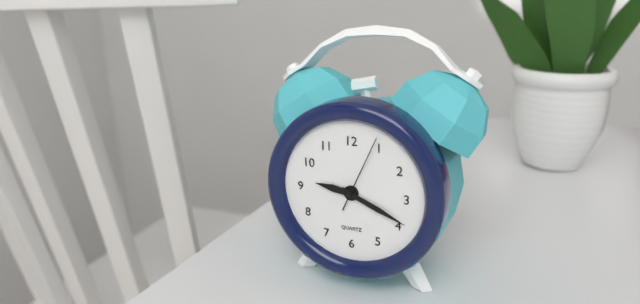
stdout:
9h19m04s
